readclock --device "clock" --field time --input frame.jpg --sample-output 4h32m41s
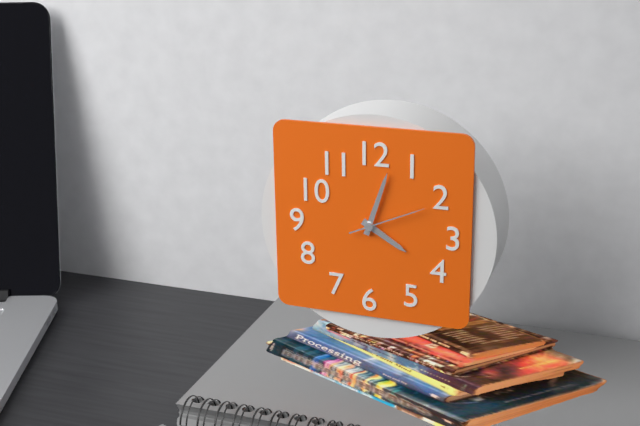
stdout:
4h03m11s
